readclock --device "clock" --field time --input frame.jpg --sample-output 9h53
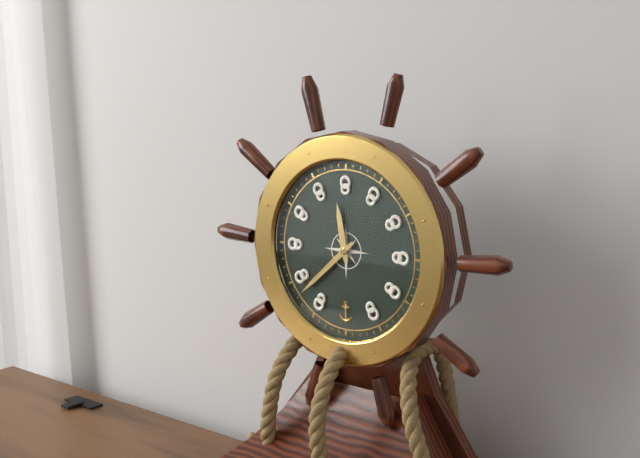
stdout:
11h38
